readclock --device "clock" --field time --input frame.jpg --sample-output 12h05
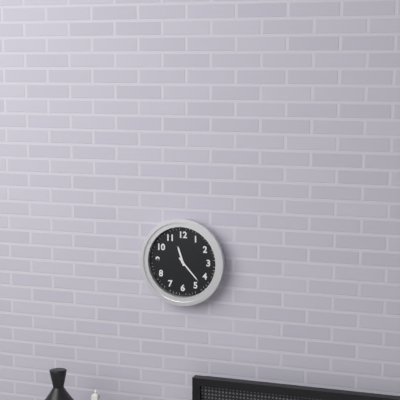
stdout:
11h23
